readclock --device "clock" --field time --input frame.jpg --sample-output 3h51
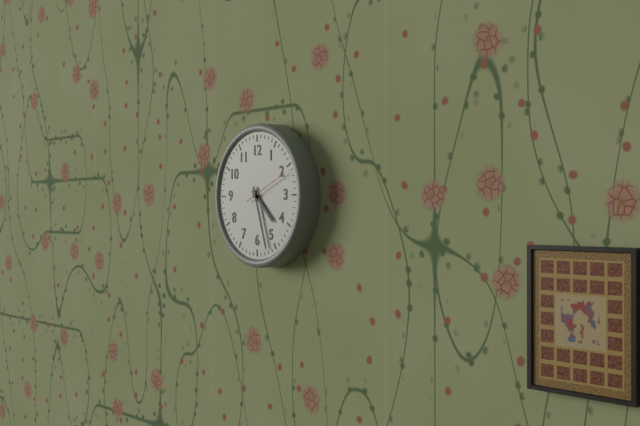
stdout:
4h27
